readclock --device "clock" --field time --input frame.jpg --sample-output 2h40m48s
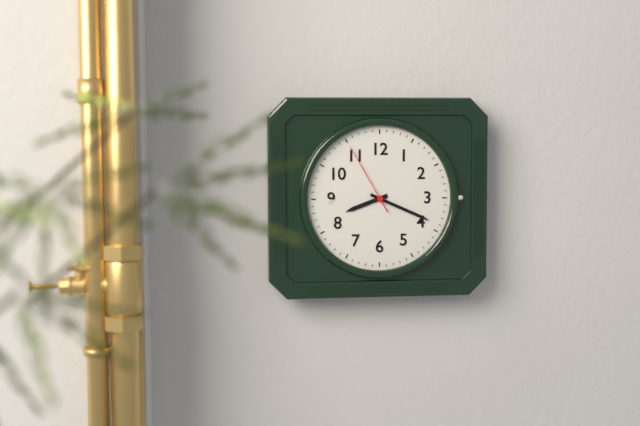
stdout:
8h19m55s
